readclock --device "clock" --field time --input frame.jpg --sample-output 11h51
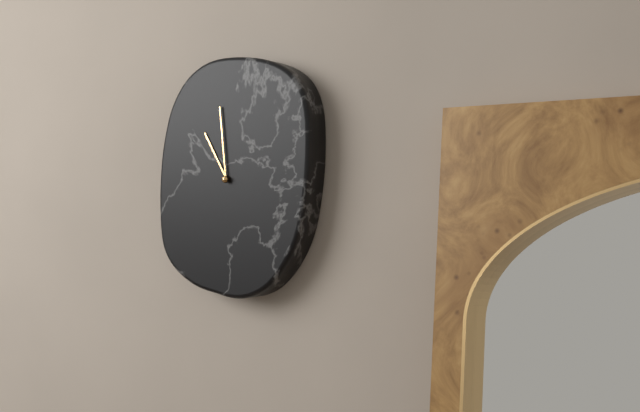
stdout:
10h59
